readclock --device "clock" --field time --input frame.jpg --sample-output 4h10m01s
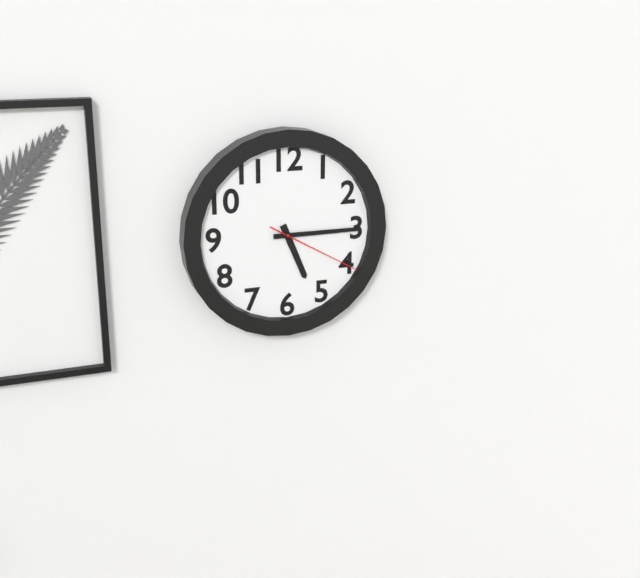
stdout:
5h15m20s
